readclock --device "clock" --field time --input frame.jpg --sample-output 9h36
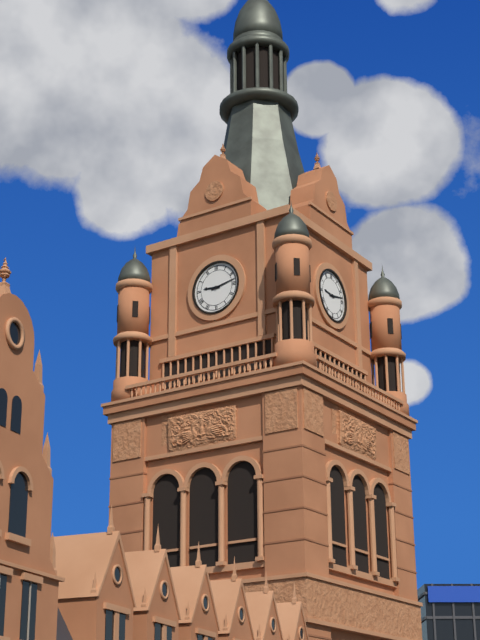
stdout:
9h13
